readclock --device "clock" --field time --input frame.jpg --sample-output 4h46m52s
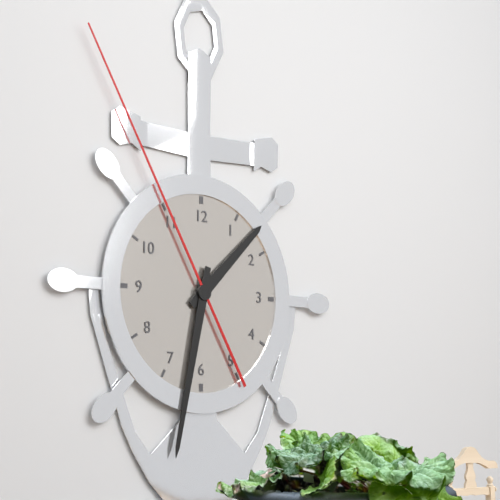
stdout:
1h32m55s
